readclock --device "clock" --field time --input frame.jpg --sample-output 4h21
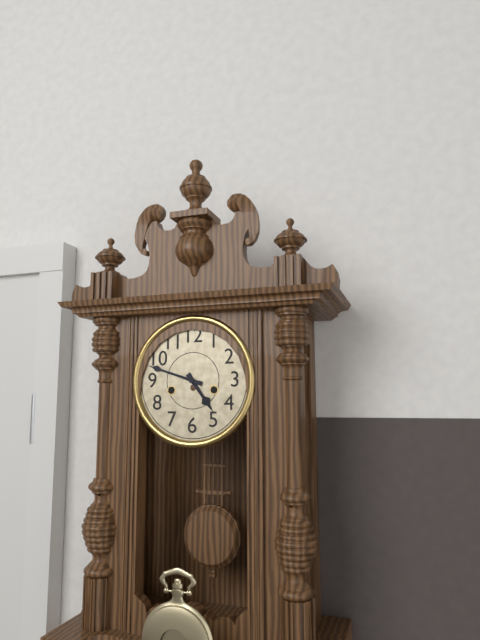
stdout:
4h48
